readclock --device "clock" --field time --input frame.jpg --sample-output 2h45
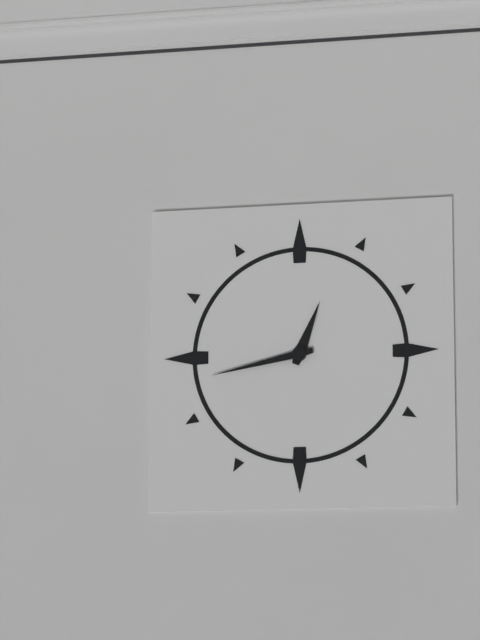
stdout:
12h43
